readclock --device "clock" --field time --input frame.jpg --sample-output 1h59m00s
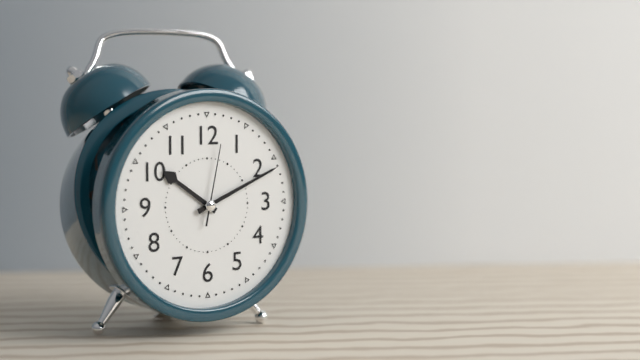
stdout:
10h11m02s
